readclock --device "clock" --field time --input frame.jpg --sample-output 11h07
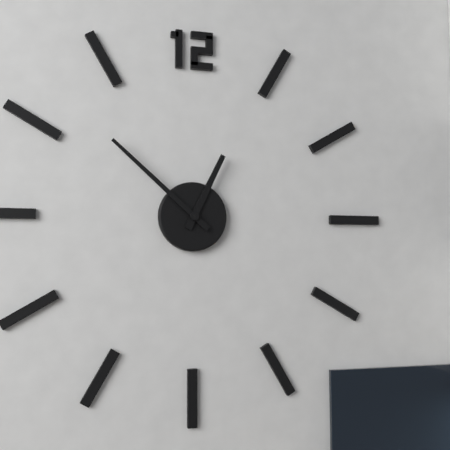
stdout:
12h52
